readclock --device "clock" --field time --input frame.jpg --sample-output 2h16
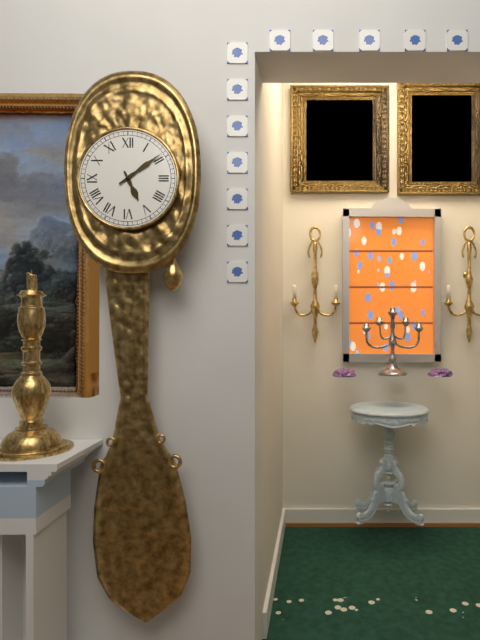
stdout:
5h09
